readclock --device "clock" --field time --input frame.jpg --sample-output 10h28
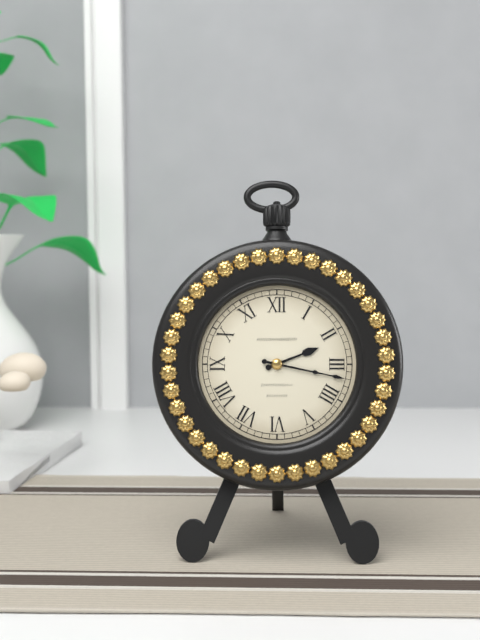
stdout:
2h17
